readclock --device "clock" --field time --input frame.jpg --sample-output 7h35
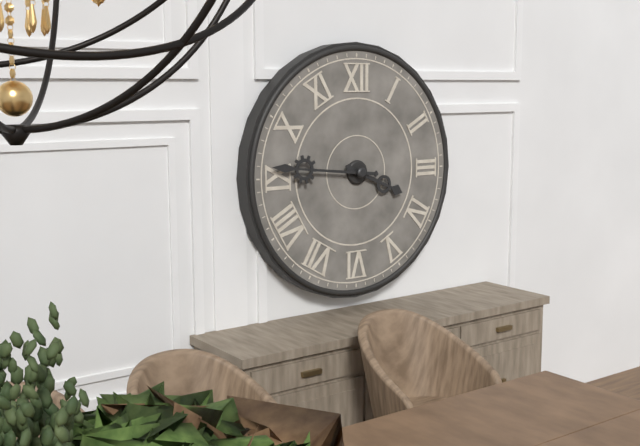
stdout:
3h46
